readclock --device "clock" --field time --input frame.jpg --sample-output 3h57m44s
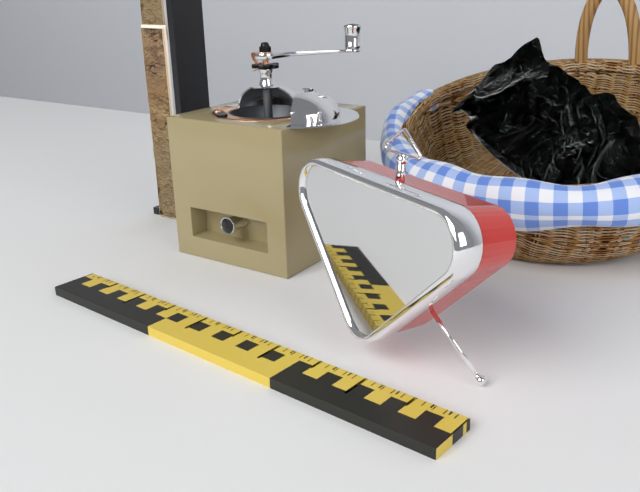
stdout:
1h29m50s
